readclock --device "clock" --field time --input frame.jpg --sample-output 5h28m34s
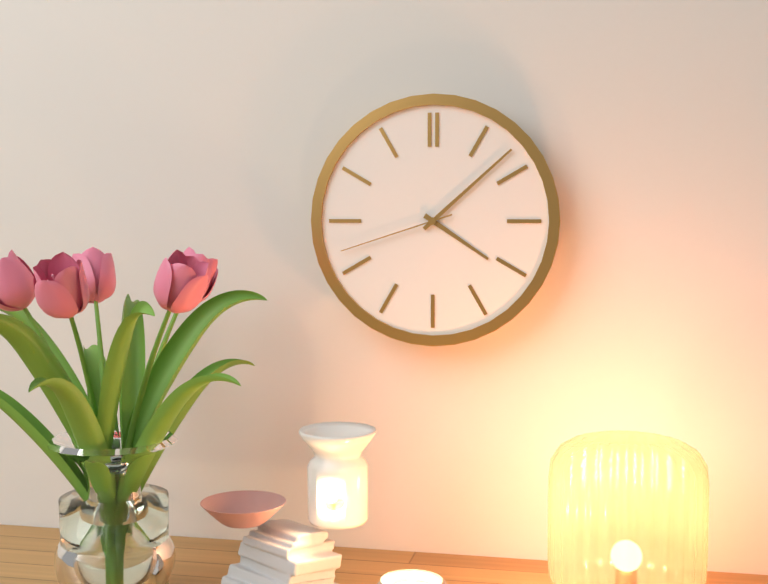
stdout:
4h08m42s
